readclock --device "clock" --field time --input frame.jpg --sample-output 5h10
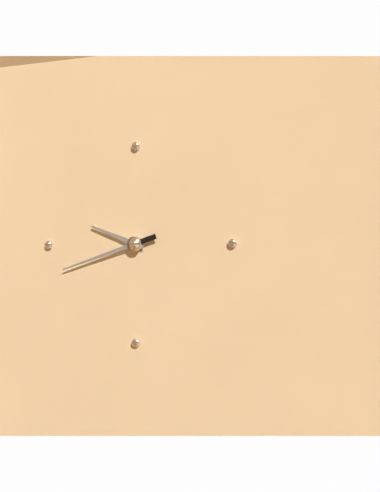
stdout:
9h42
